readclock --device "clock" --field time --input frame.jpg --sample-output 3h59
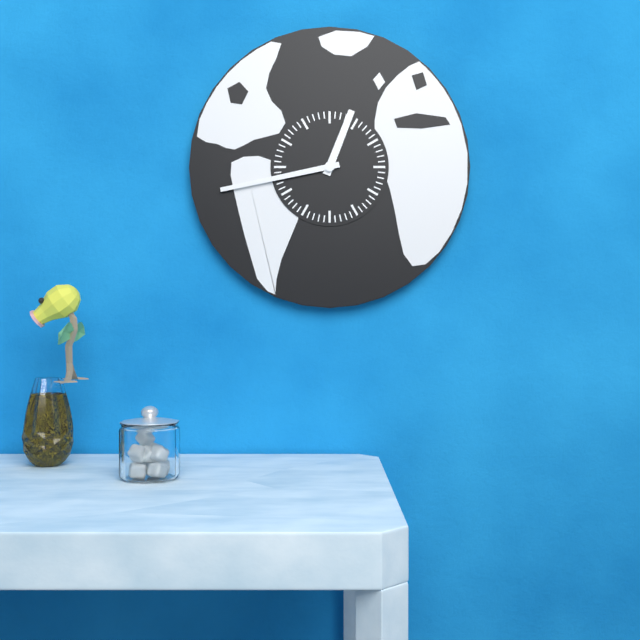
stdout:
12h43
